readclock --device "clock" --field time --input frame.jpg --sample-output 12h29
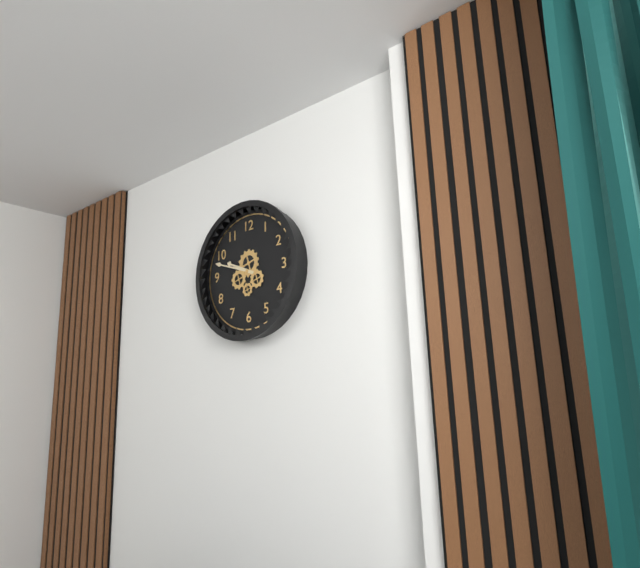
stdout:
9h48
